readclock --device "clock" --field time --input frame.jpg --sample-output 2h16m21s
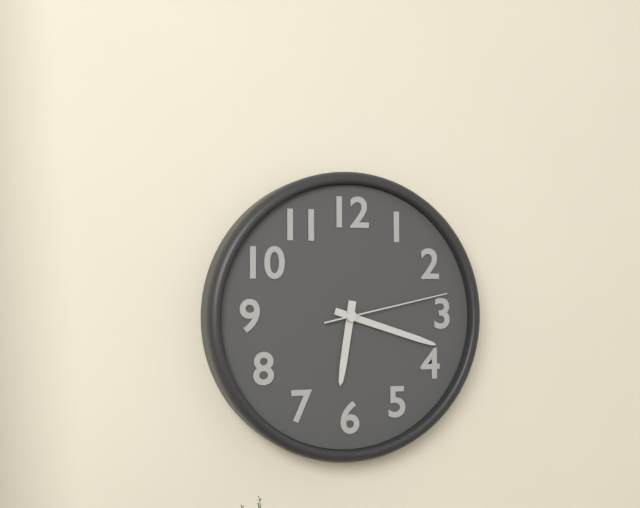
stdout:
6h18m13s
